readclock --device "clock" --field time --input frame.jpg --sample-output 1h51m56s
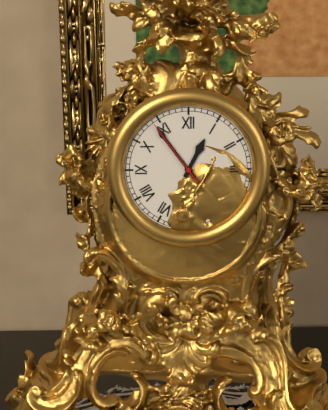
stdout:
12h54m54s
